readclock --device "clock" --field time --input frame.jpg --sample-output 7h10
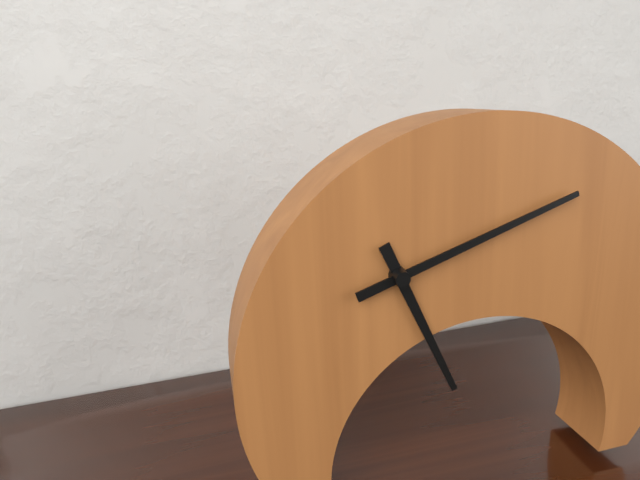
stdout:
5h12
